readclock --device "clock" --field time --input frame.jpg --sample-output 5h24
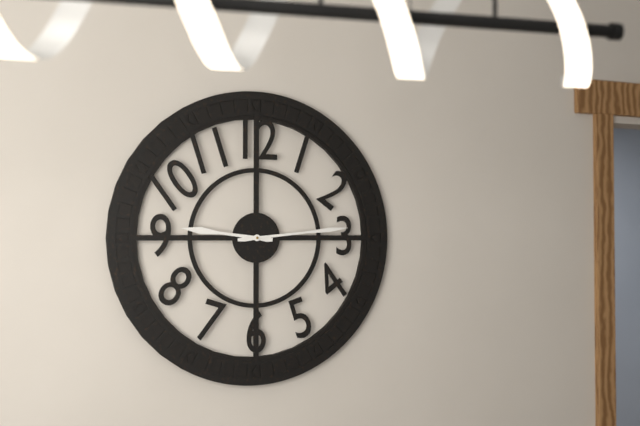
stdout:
9h14
